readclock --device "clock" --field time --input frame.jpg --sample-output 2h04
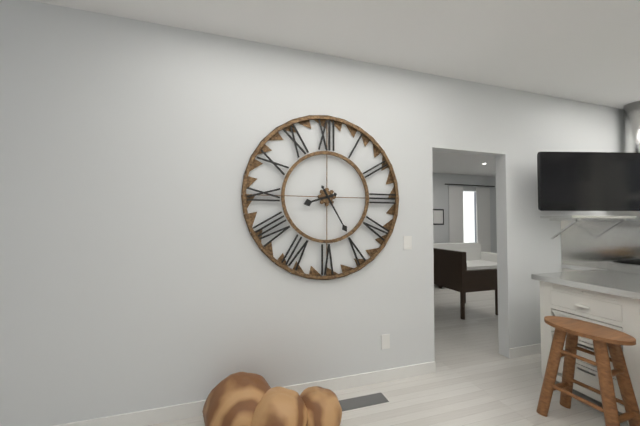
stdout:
8h25
